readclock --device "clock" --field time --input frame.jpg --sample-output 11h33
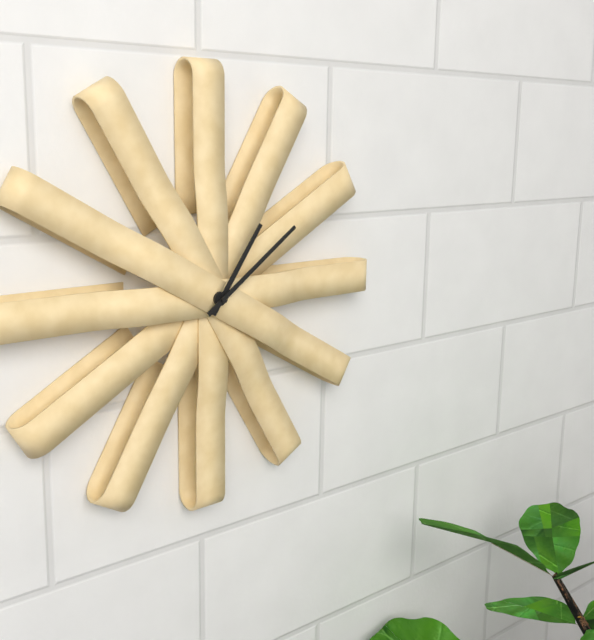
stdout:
1h09
